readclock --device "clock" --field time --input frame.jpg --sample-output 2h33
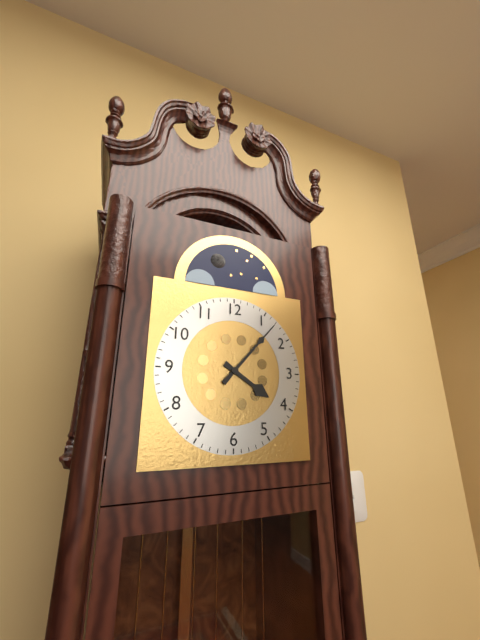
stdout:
4h07
